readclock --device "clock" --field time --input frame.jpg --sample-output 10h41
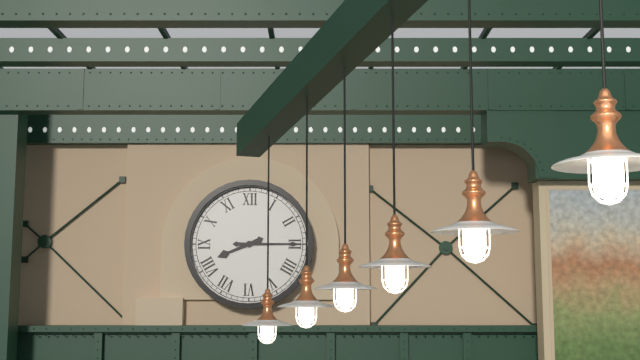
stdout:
8h15
